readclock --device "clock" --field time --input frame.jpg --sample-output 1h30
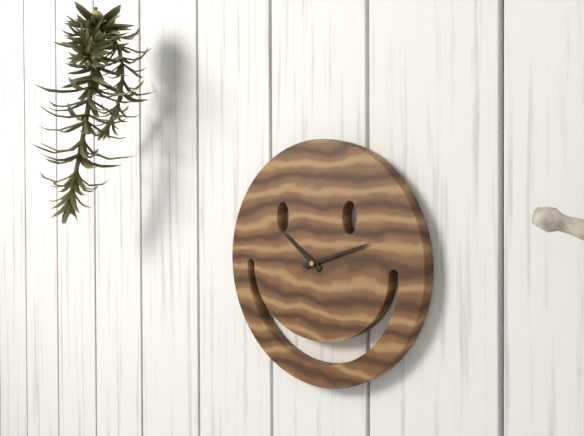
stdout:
10h12
